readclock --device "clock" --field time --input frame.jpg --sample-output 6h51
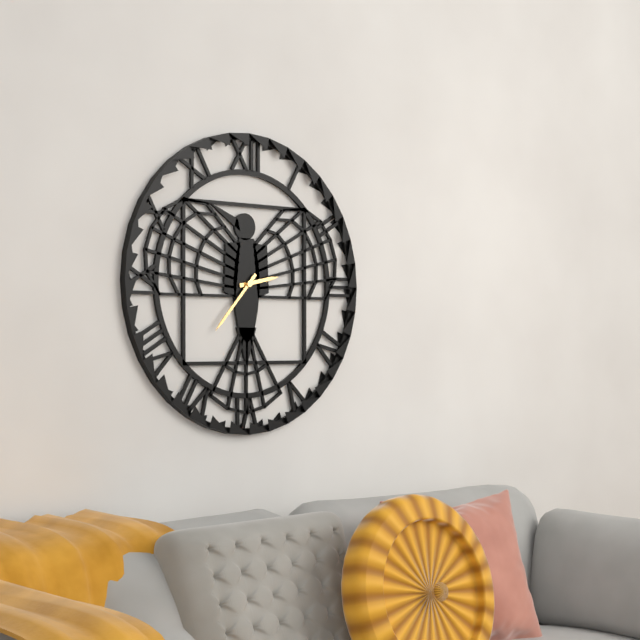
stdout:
2h37
